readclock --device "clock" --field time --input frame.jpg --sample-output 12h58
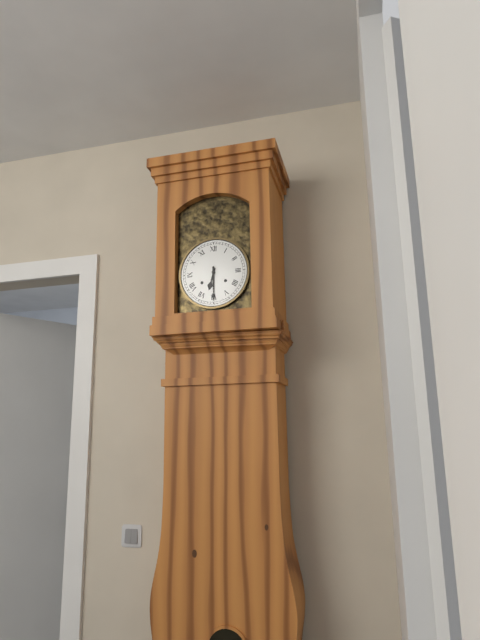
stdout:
6h30
